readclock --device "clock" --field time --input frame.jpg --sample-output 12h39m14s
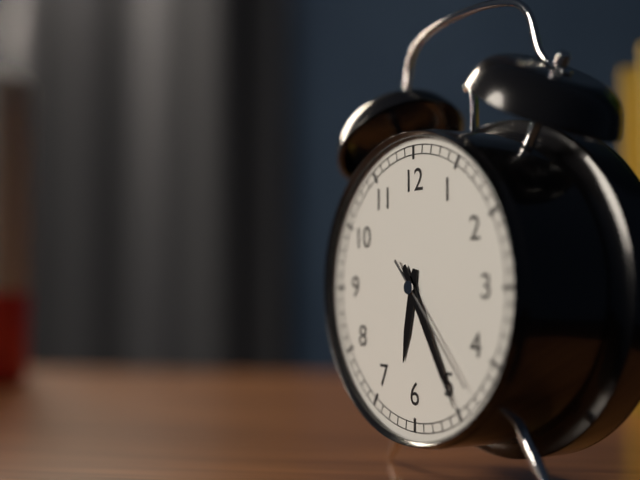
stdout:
6h25m23s
